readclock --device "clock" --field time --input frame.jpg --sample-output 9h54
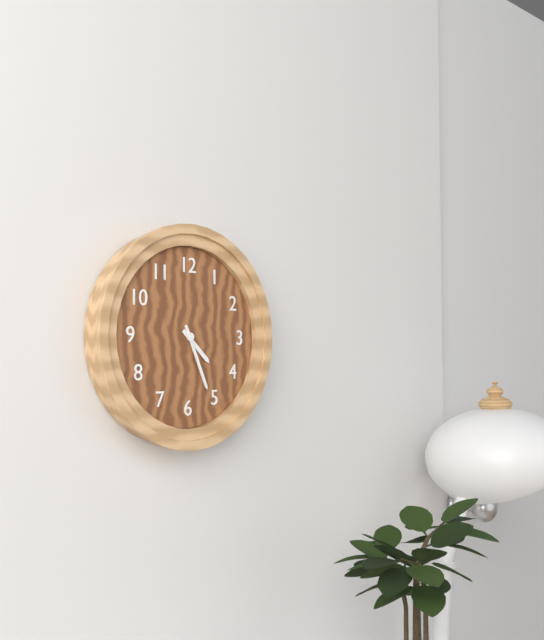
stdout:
4h26
